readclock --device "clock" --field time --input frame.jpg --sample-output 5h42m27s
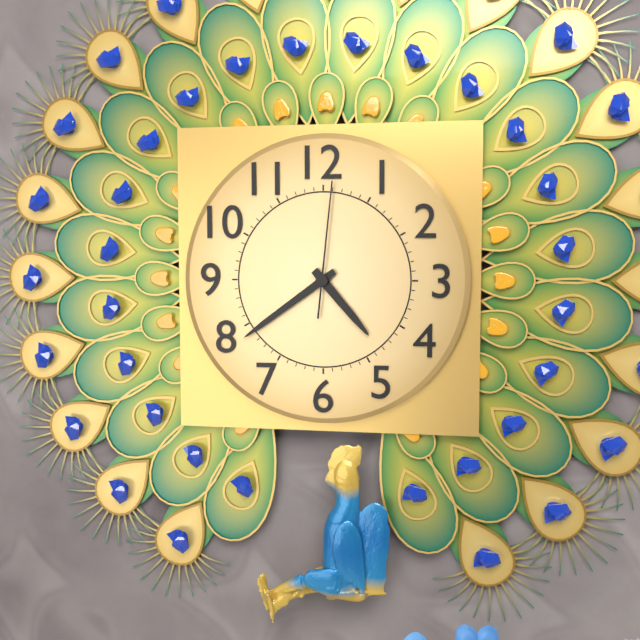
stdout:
4h39m01s
